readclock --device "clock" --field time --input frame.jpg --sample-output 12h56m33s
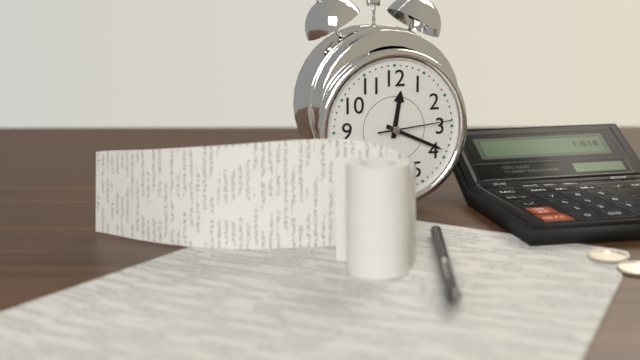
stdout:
12h19m14s
